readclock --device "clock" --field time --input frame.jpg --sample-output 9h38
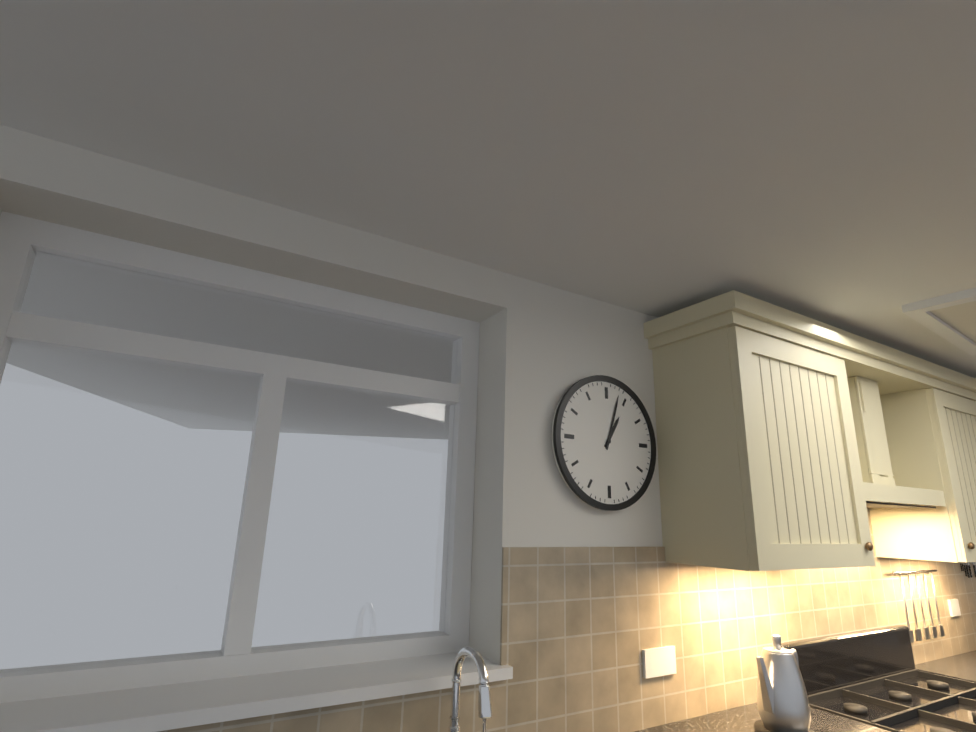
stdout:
1h03
